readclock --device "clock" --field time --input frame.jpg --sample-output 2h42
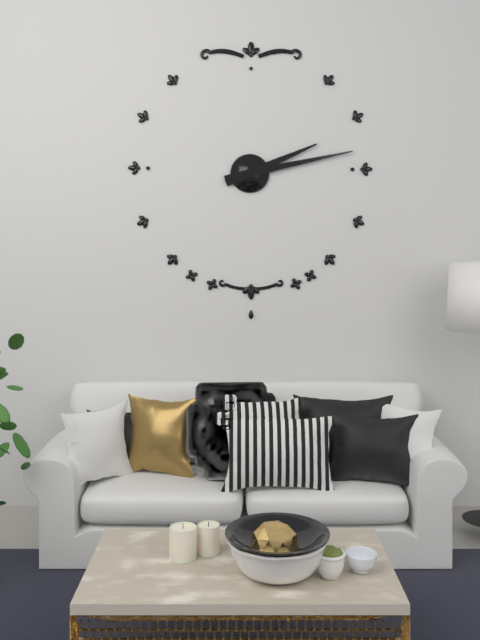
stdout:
2h13
